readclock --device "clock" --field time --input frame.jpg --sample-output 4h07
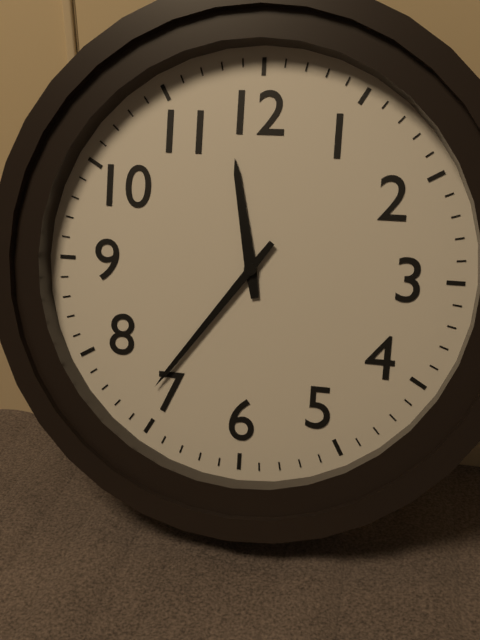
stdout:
11h36
